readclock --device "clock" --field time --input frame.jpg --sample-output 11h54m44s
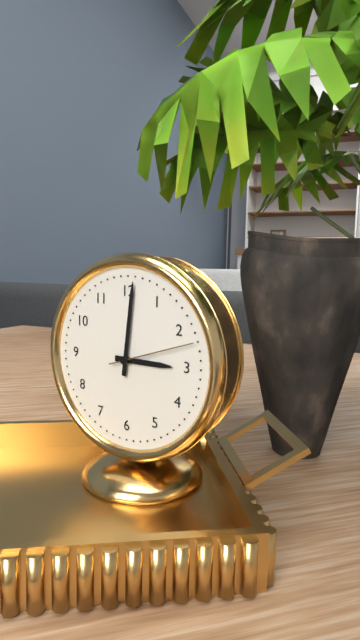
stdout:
3h01m12s
